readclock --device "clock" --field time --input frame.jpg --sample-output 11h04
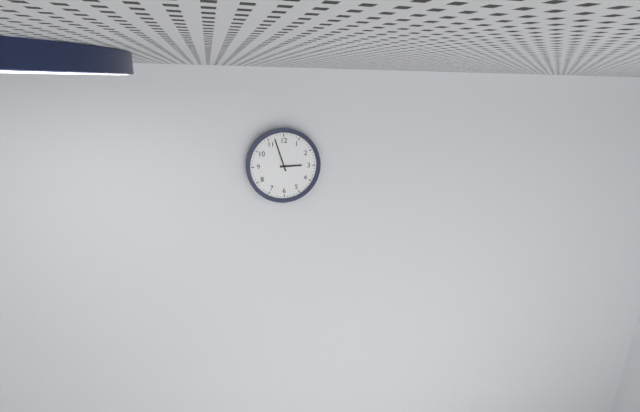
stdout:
2h57
